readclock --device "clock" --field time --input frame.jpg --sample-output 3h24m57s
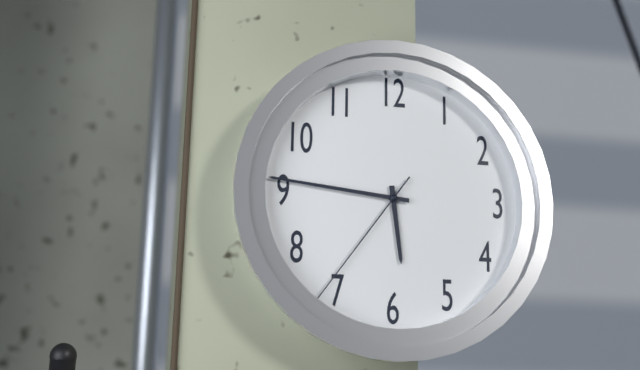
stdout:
5h46m36s
